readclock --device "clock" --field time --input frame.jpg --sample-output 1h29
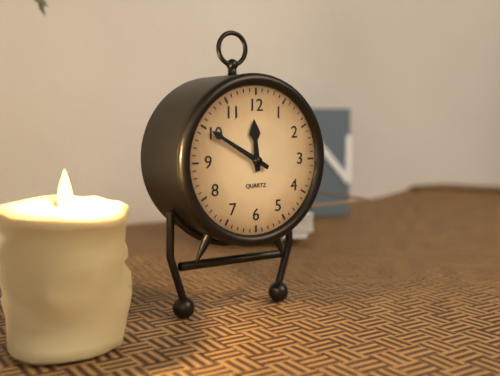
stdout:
11h50
